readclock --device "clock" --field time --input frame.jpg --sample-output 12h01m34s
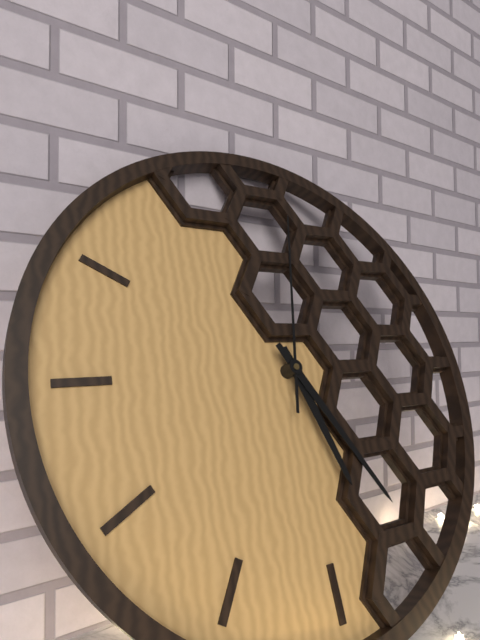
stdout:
5h25m02s
